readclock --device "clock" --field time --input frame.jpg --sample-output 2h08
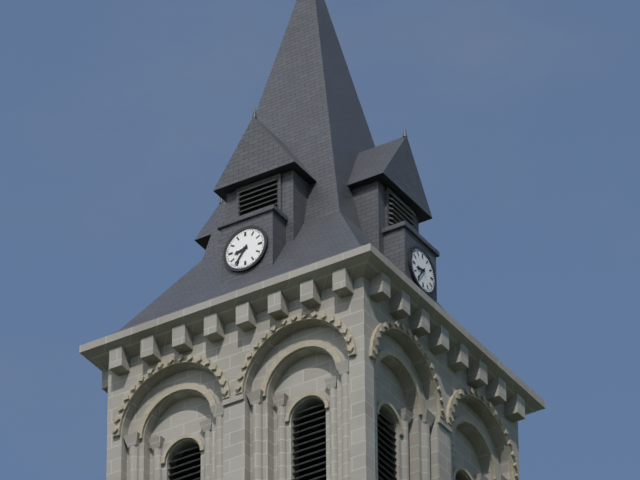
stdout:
8h36
